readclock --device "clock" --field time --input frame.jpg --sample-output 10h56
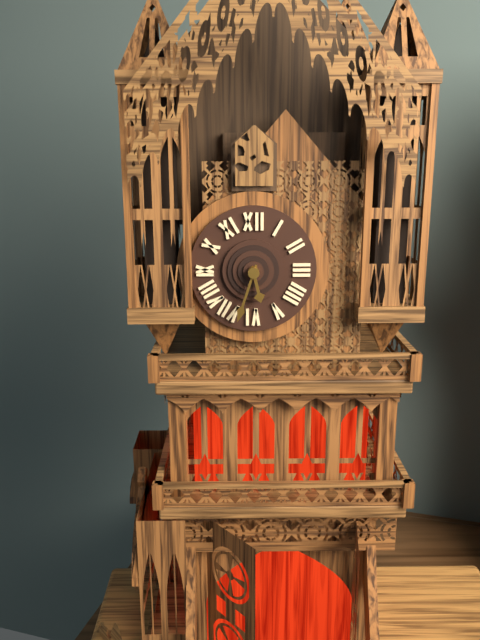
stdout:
5h33
